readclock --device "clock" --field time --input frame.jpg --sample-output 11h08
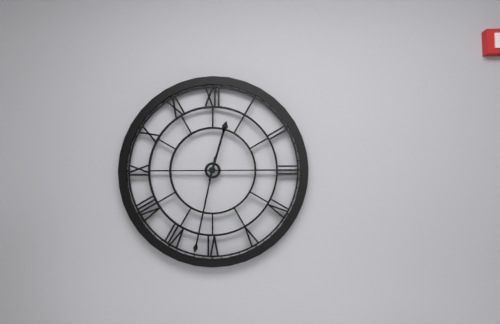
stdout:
12h32
